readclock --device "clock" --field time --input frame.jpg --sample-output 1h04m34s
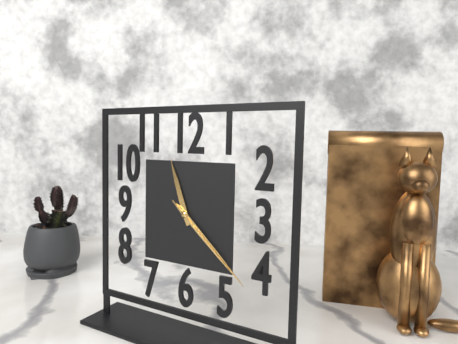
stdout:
11h22m22s
